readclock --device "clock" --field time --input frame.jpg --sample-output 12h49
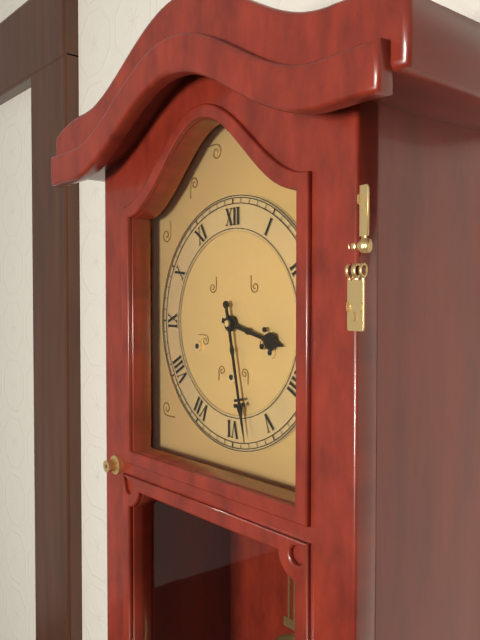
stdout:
3h28
